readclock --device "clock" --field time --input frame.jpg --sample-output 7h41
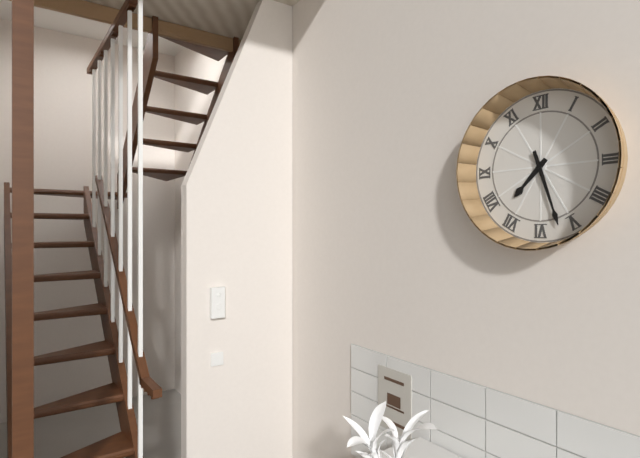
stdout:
7h27
